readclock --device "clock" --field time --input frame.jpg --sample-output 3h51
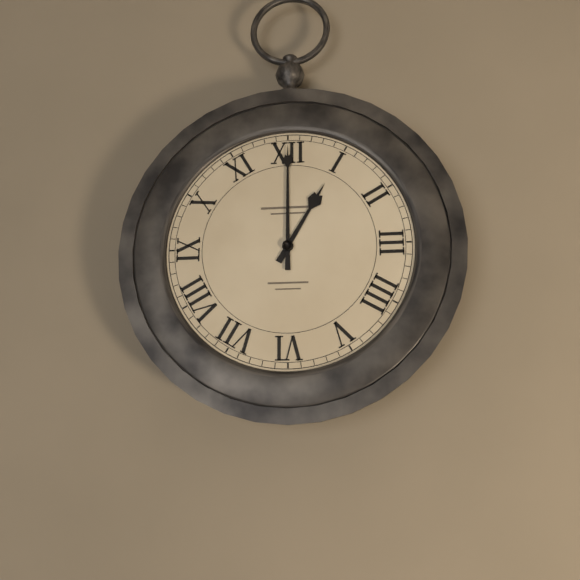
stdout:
1h00
